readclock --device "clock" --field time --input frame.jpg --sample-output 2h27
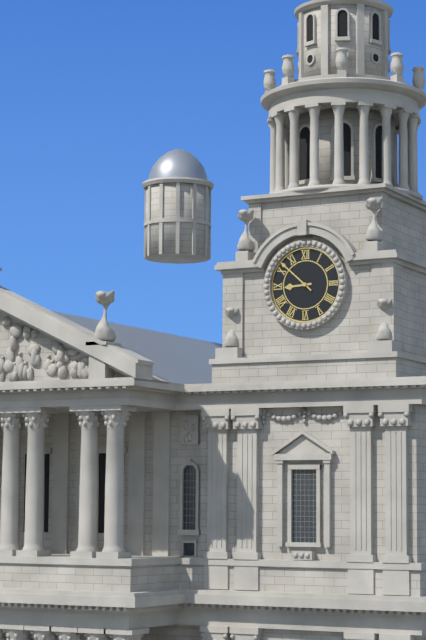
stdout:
8h52
